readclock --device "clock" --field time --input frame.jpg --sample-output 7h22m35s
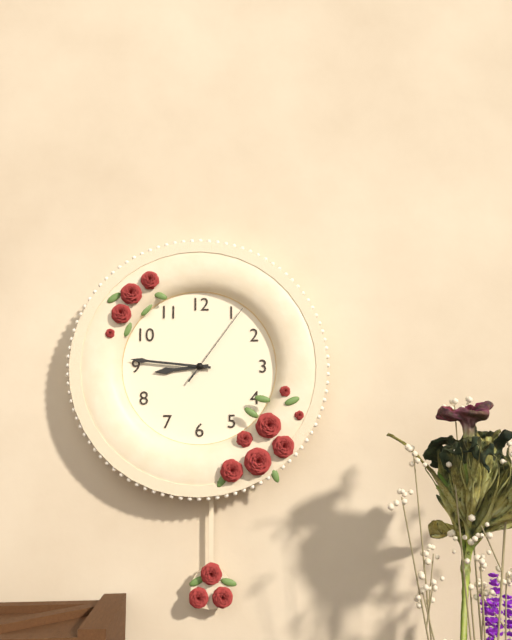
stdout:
8h46m06s
